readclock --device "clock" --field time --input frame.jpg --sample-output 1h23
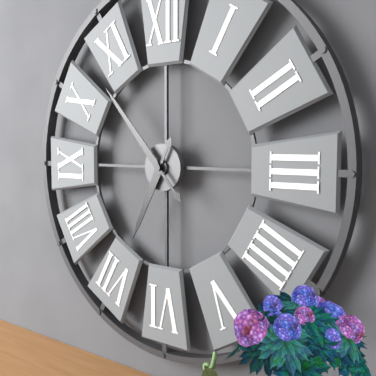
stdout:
6h53
